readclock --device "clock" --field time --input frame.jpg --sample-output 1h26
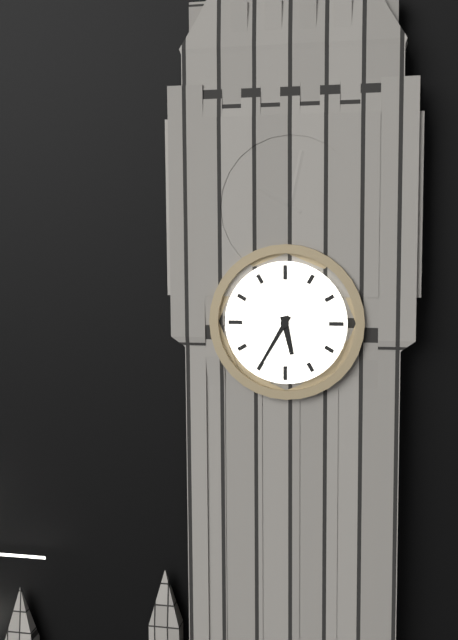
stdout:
5h35
